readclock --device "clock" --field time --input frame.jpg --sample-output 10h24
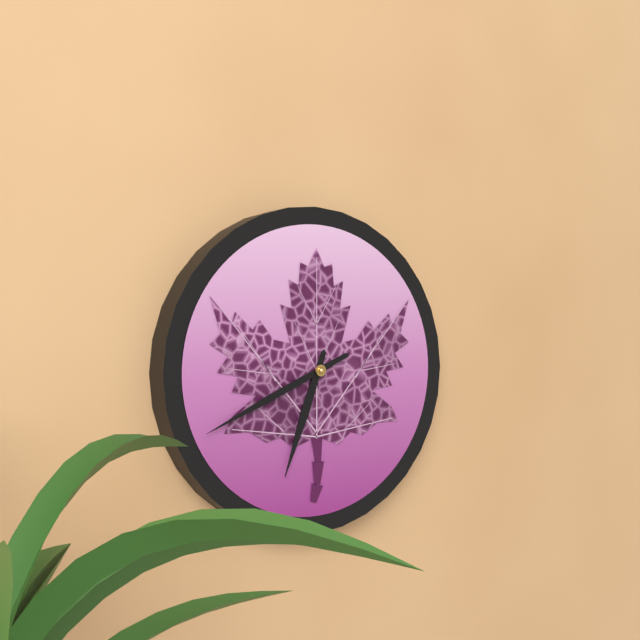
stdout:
6h41
